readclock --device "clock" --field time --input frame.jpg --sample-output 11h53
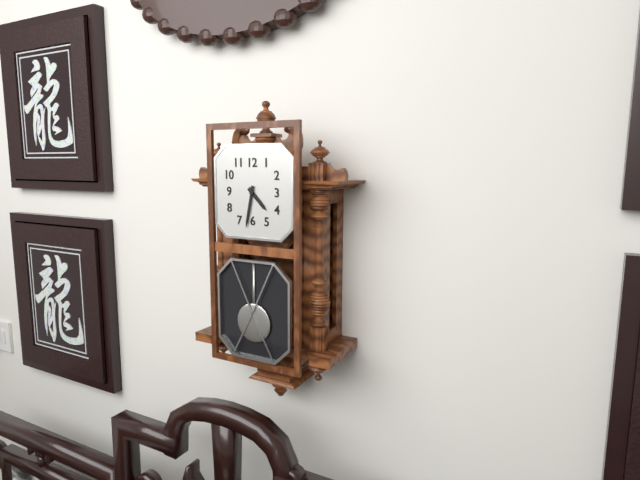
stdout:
4h32
